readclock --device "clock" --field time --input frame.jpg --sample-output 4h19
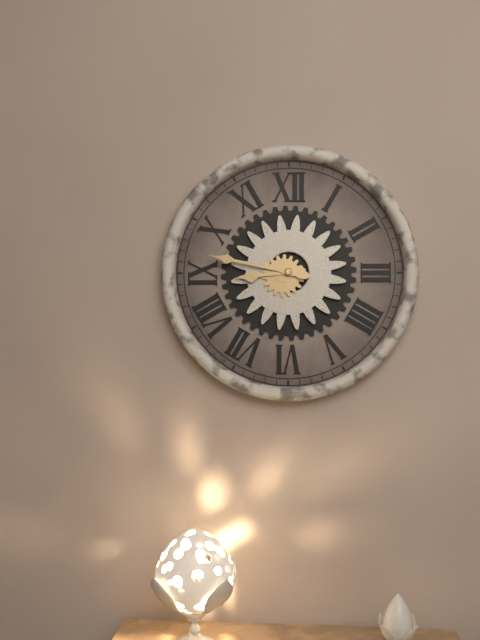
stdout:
8h47
